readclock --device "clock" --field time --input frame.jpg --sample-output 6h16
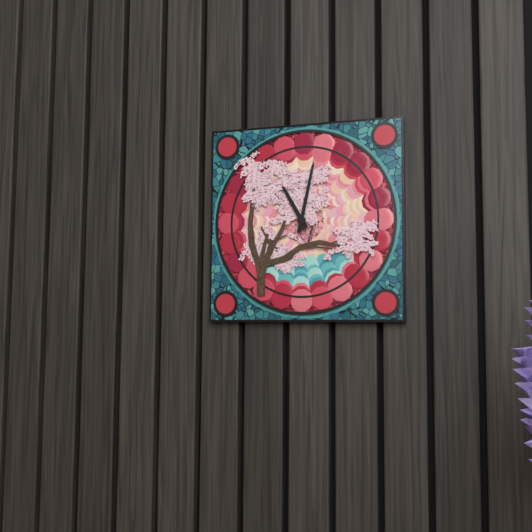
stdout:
11h02
